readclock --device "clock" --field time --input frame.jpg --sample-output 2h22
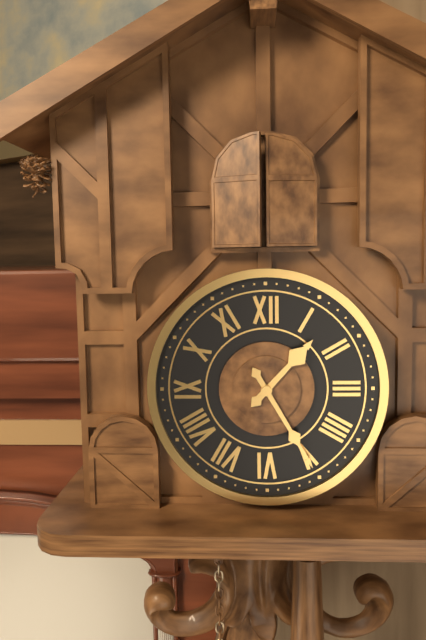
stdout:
1h25
